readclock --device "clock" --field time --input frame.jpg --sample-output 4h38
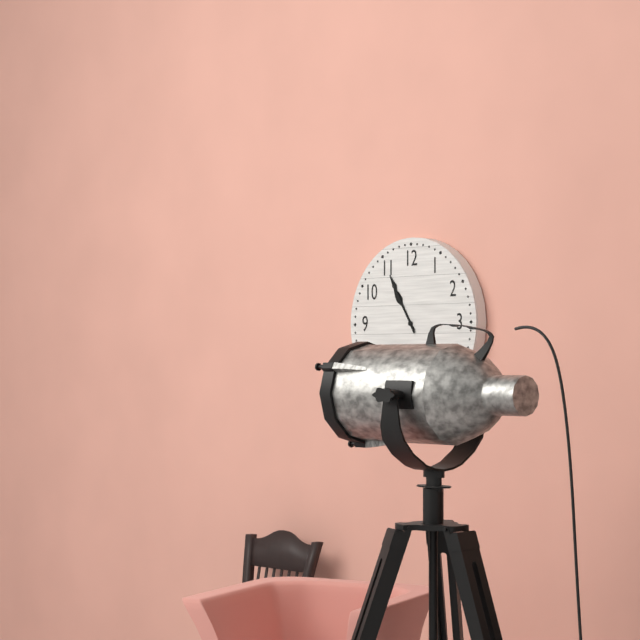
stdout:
10h55
